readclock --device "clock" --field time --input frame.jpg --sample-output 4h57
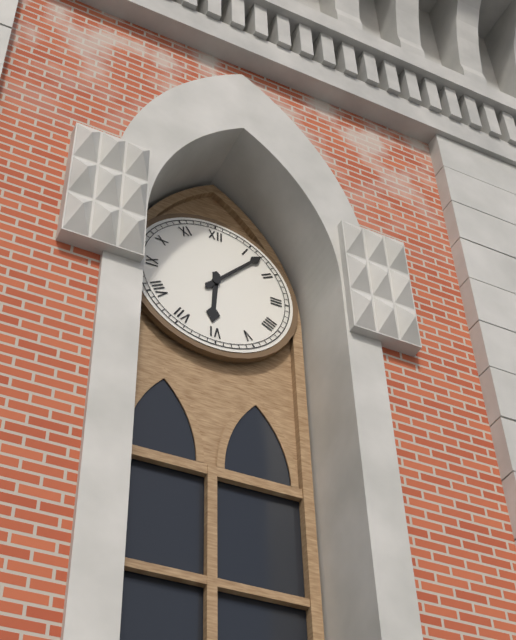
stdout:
6h07
